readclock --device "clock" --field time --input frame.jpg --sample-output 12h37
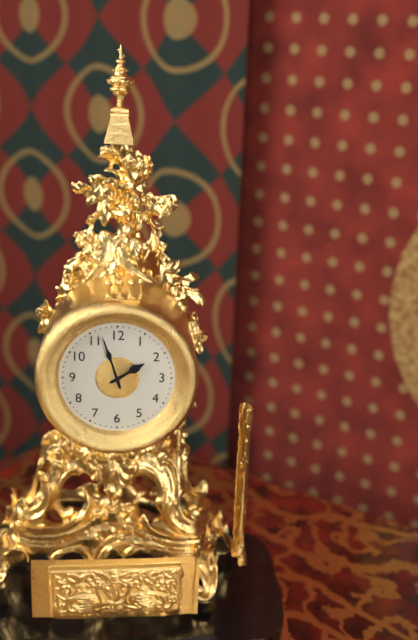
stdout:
1h57
